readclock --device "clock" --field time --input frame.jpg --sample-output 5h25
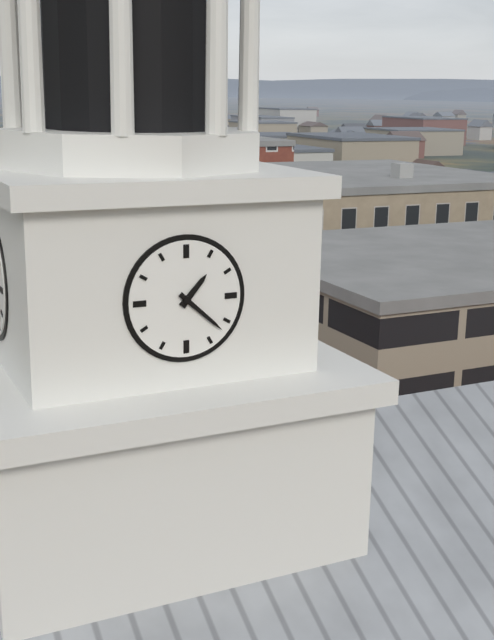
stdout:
1h22
